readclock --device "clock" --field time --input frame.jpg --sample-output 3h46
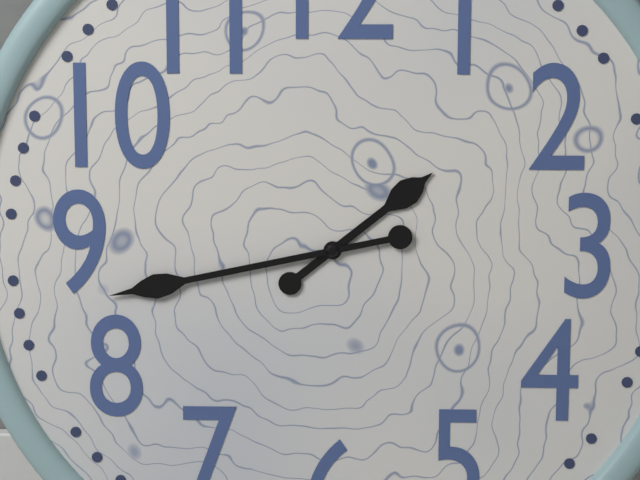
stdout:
1h43
